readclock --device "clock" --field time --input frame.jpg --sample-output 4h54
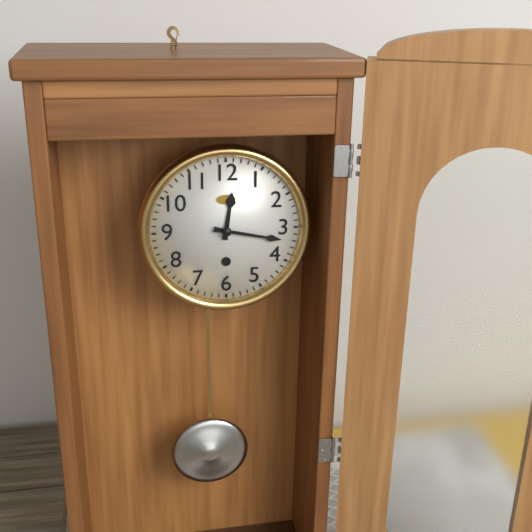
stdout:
12h17
